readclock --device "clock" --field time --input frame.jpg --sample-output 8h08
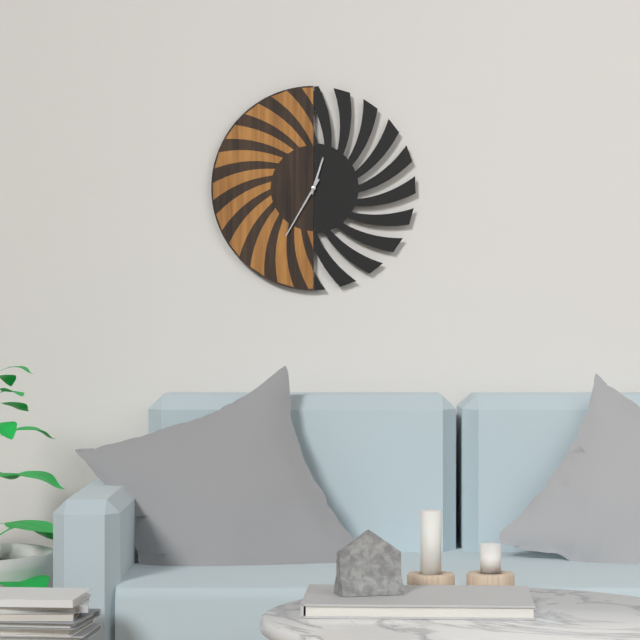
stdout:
12h35
